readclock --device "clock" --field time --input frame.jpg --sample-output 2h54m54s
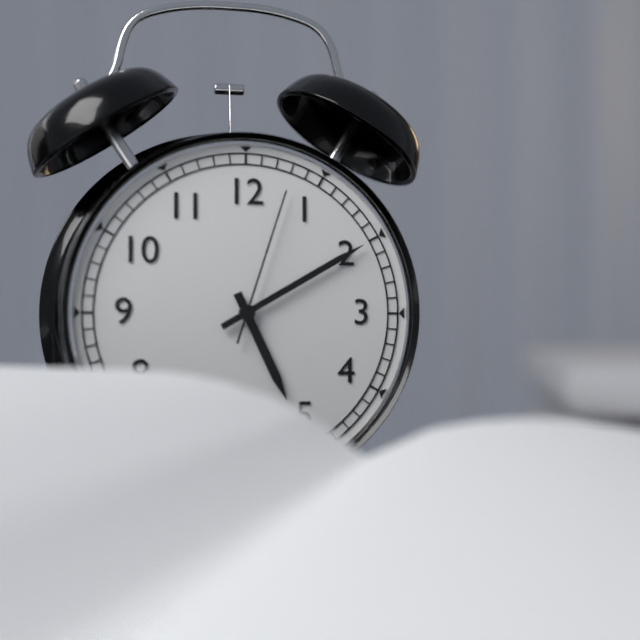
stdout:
5h10m03s
